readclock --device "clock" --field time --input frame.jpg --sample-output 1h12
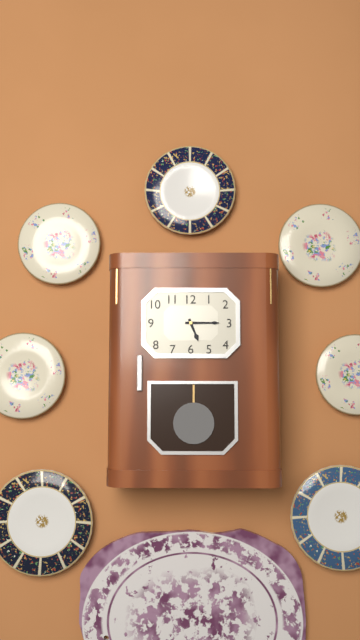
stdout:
5h15
